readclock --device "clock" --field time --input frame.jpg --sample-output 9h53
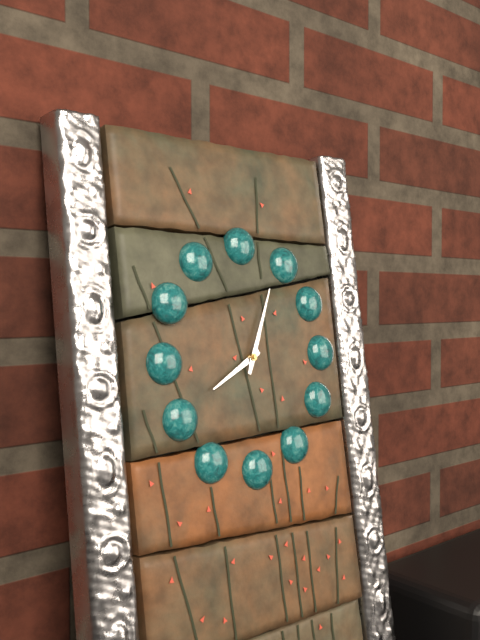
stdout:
8h04
